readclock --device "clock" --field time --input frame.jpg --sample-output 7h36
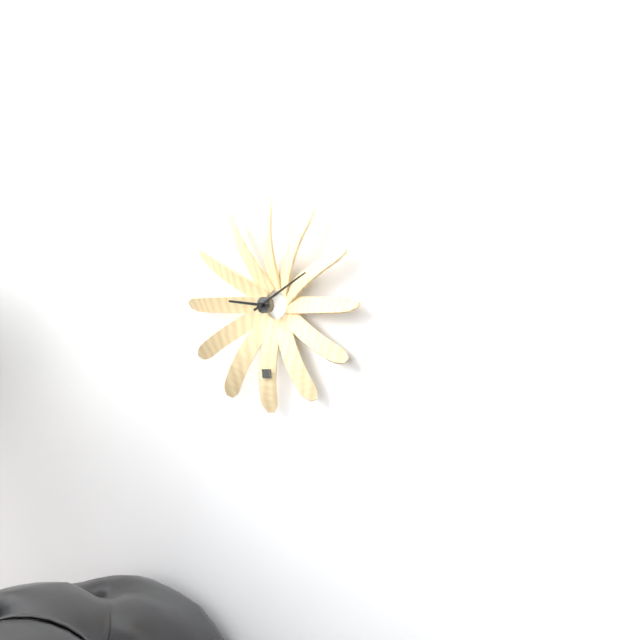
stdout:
9h10
